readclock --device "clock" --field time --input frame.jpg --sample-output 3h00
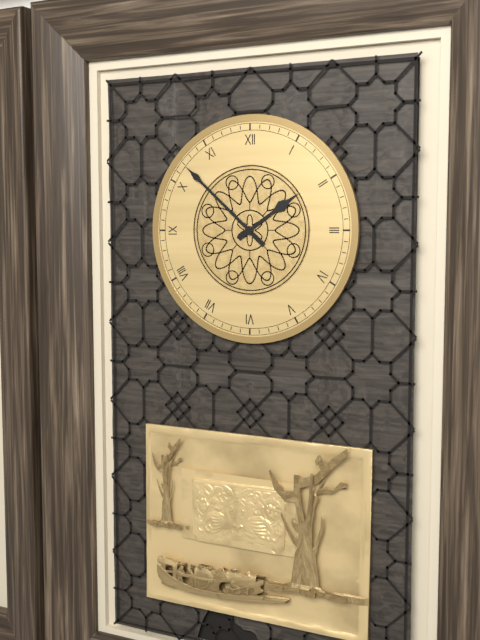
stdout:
1h52
